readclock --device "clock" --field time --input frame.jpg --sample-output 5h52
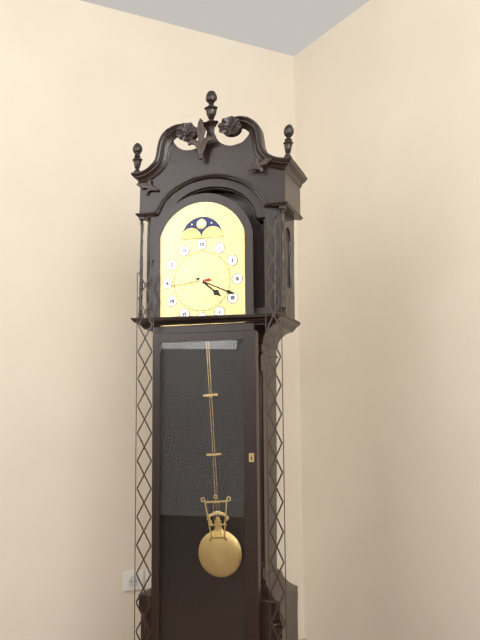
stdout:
4h19
